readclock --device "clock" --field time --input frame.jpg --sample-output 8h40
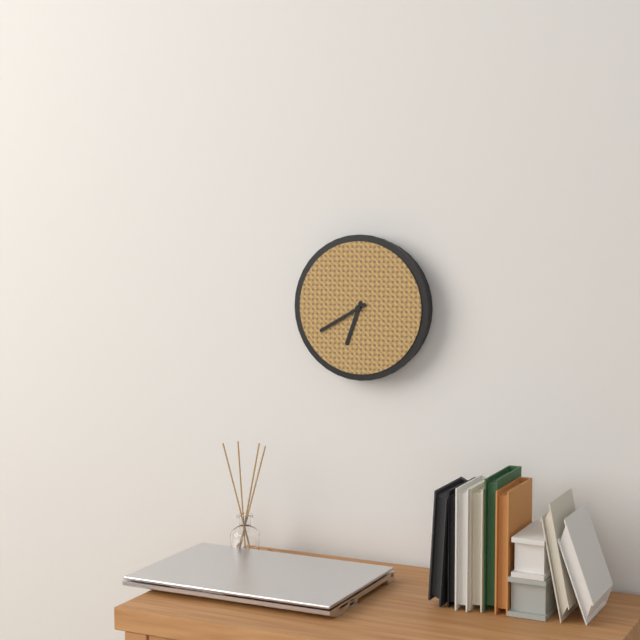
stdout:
6h40
